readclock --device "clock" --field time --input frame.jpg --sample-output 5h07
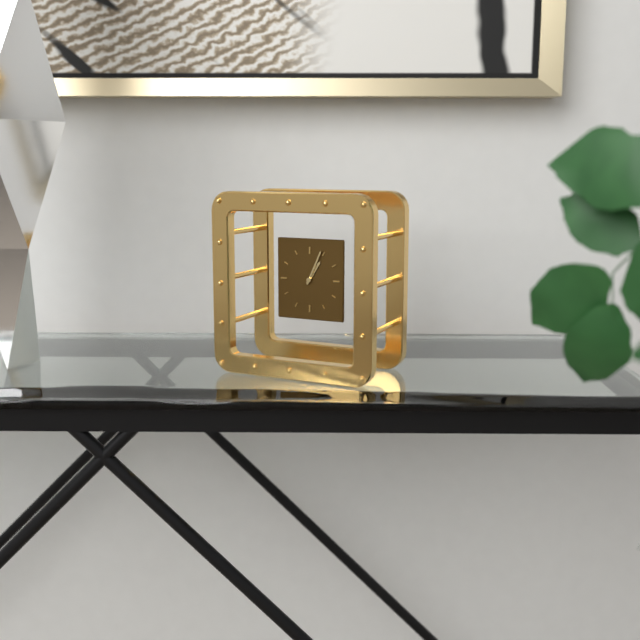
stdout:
1h04
